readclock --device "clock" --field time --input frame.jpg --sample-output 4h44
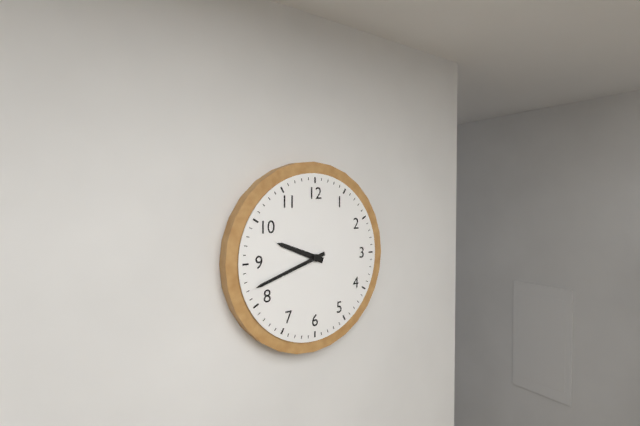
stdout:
9h42
